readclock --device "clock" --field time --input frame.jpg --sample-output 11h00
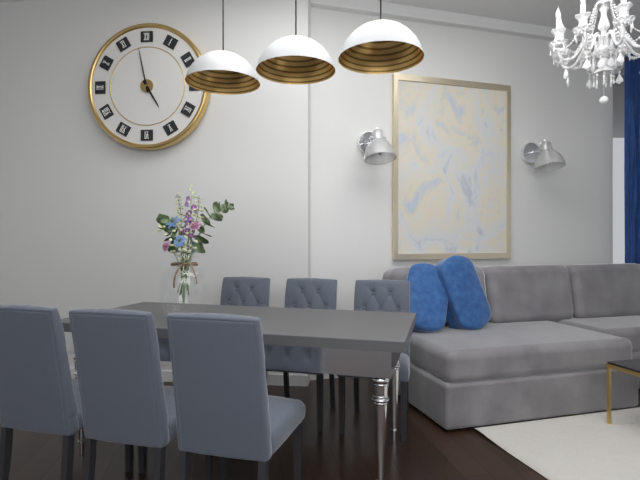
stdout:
4h58
